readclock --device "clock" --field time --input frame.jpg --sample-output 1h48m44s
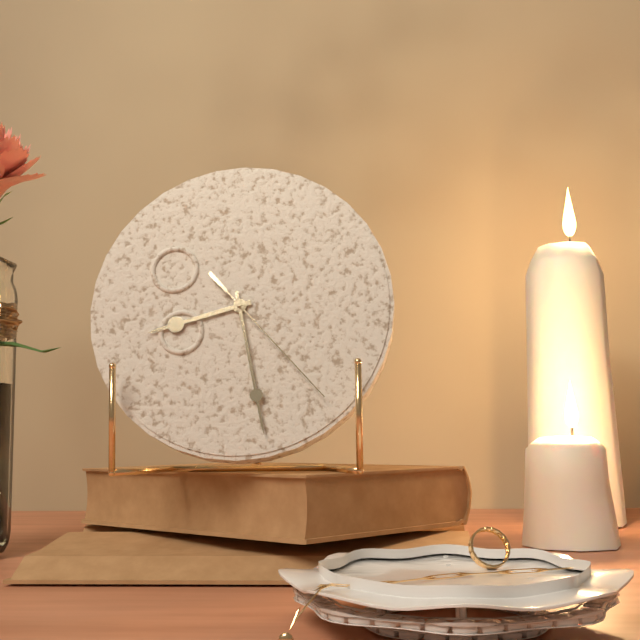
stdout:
8h28m23s
